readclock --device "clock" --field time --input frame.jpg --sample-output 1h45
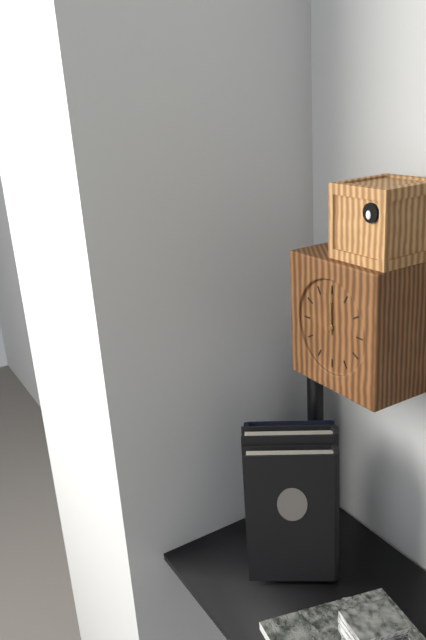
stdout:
12h00
